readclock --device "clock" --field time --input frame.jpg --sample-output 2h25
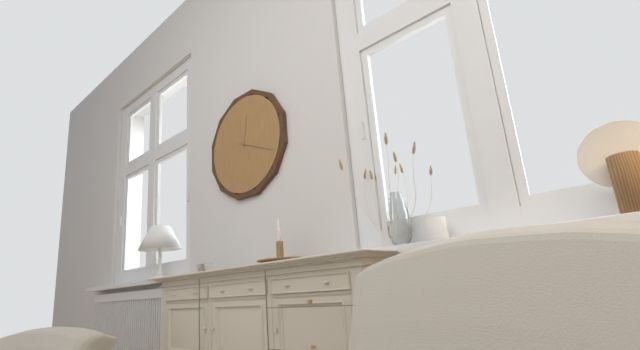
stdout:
12h19
